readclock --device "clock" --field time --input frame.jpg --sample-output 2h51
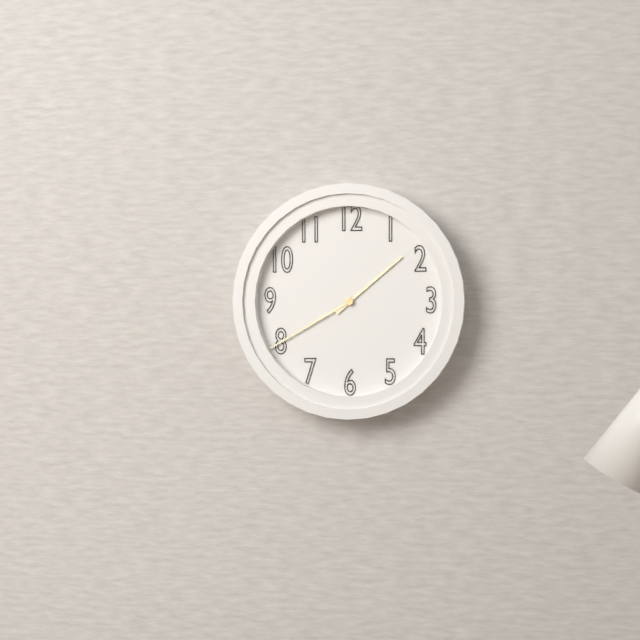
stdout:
1h40
